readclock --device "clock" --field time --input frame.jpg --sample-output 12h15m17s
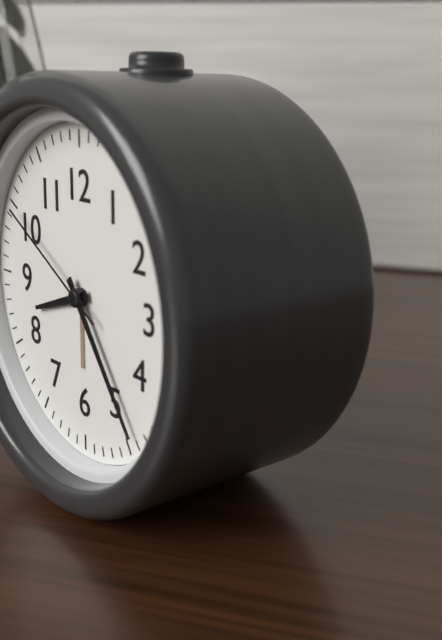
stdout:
8h24m50s
